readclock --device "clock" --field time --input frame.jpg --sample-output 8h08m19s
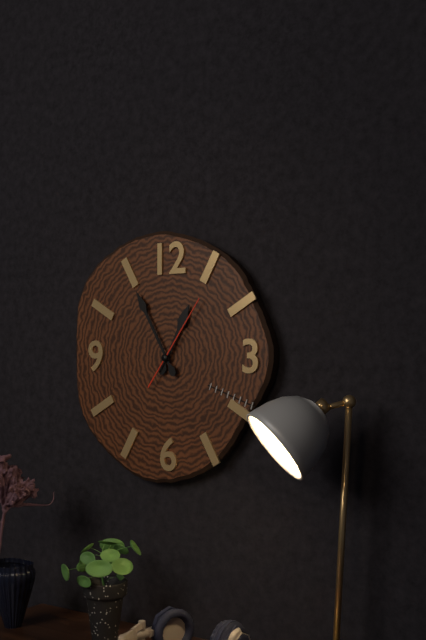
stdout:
12h55m06s
